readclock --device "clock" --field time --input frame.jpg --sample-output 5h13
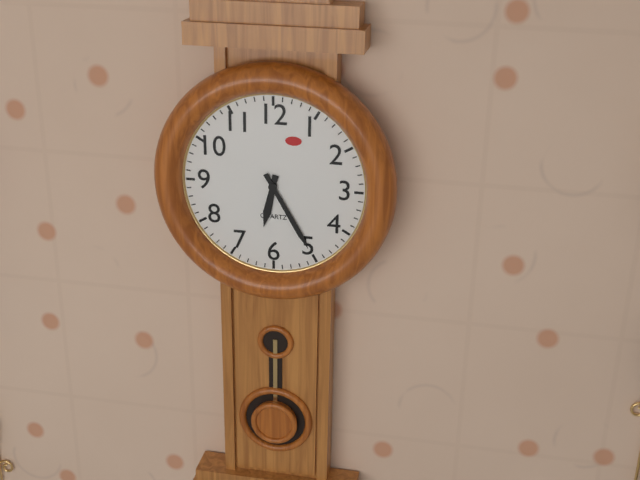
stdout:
6h25
